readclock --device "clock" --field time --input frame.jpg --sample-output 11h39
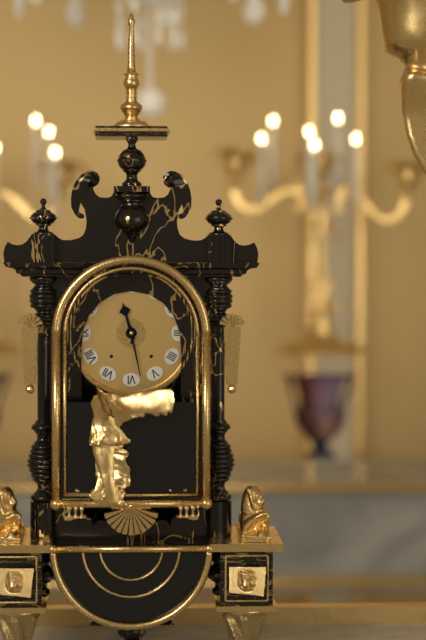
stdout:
11h28
